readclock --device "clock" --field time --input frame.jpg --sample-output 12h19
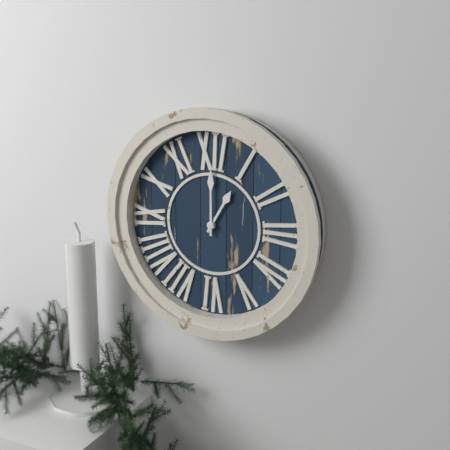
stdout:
1h00
